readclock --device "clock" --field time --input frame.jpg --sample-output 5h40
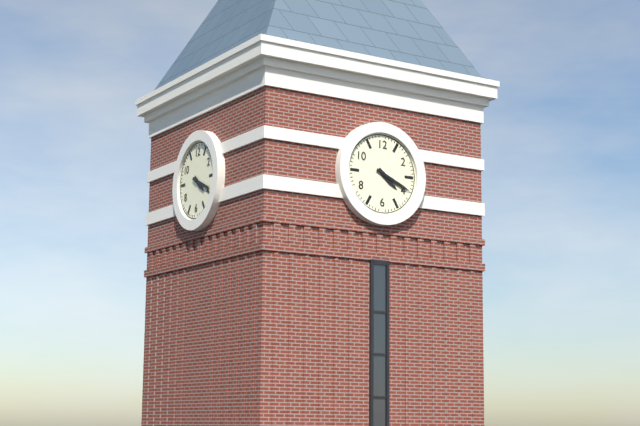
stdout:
4h19
